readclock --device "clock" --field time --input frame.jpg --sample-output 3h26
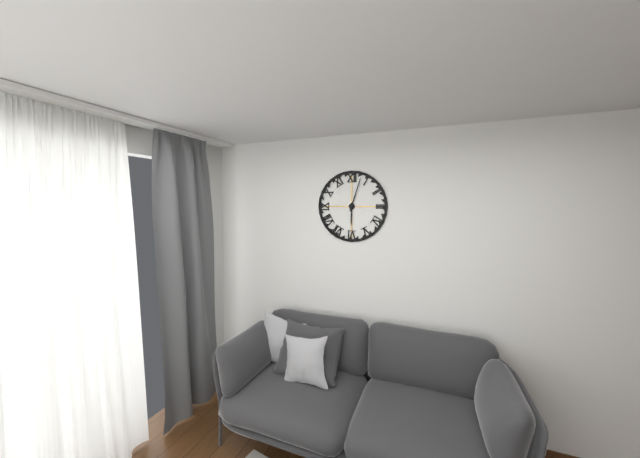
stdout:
6h03
